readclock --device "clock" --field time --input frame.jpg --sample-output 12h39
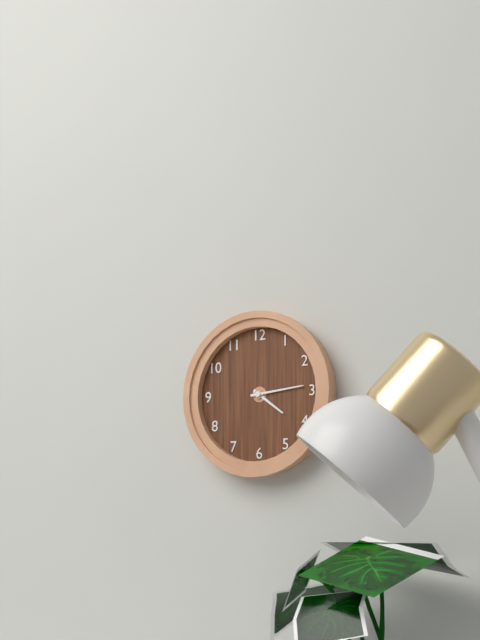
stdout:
4h14
